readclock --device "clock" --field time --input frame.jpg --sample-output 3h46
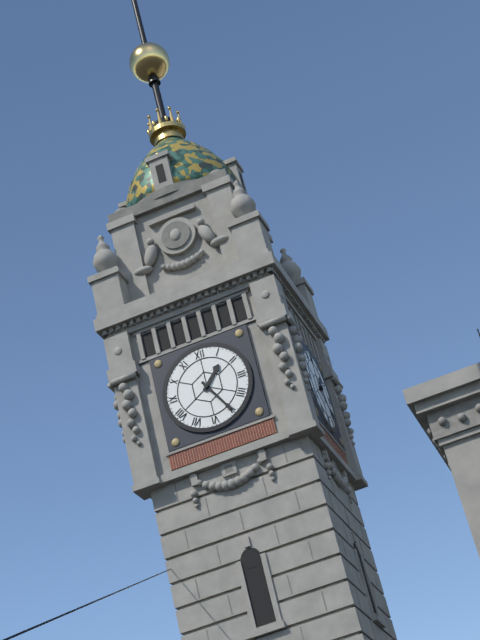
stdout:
1h25
